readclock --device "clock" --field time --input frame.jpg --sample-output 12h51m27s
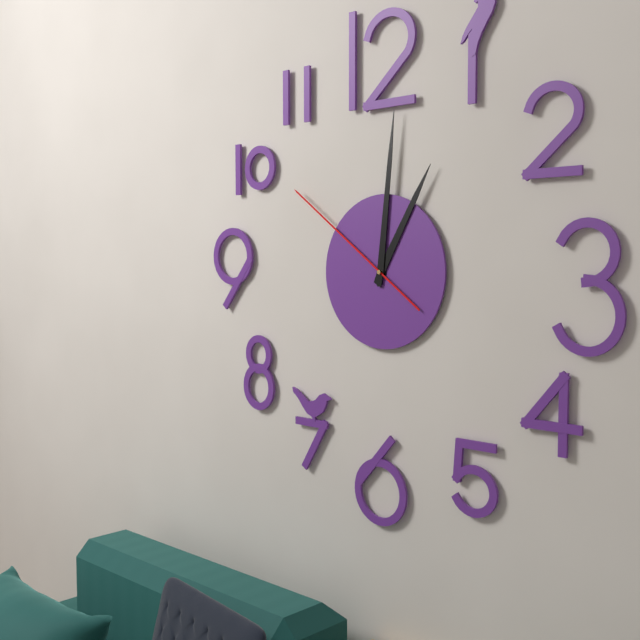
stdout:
1h01m51s
